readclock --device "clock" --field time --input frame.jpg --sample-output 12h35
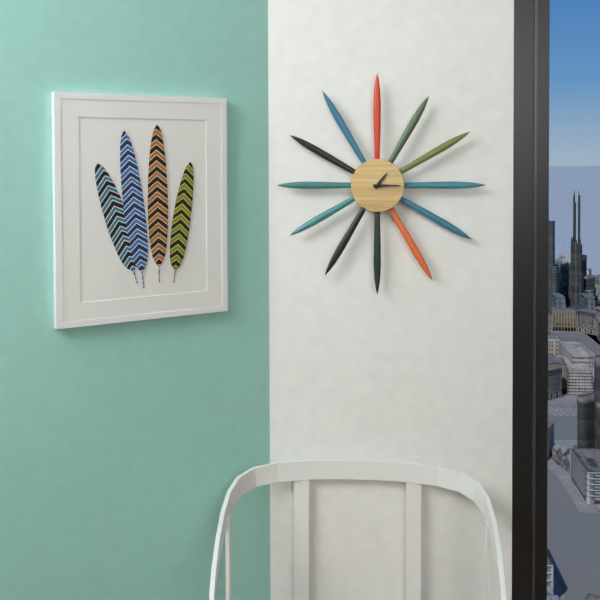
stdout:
1h15
